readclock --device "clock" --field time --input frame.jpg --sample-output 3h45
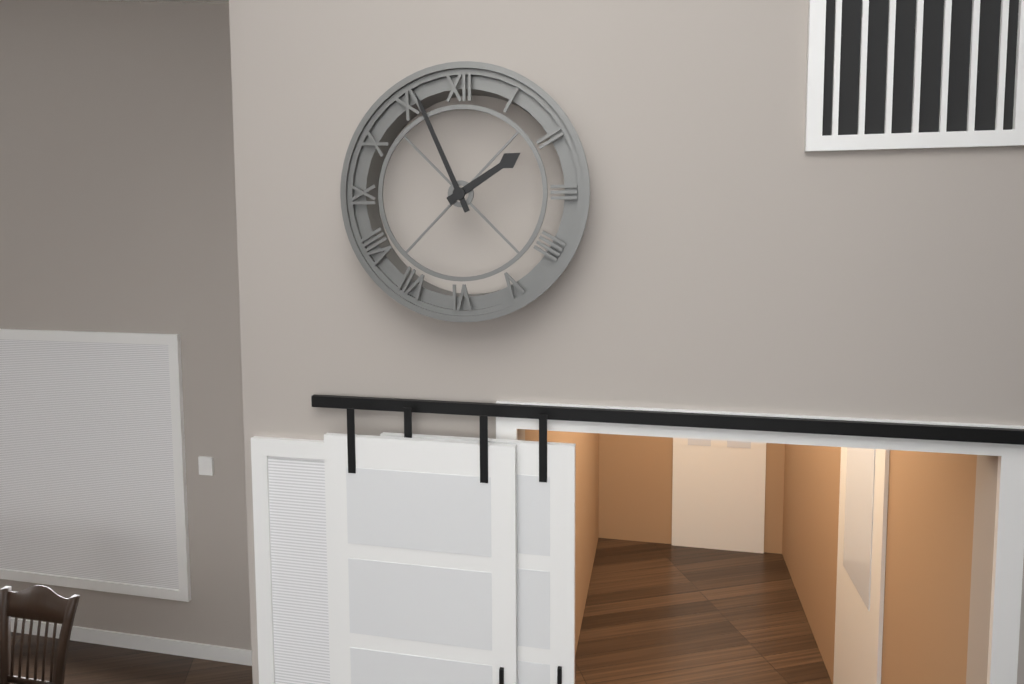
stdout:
1h56
